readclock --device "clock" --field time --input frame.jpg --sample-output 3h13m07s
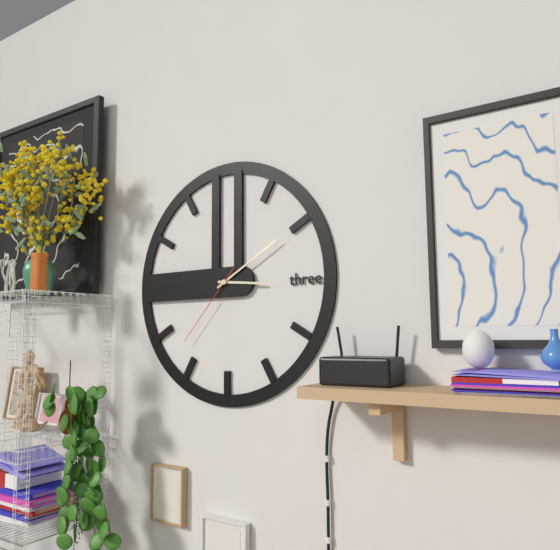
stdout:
3h10m37s
